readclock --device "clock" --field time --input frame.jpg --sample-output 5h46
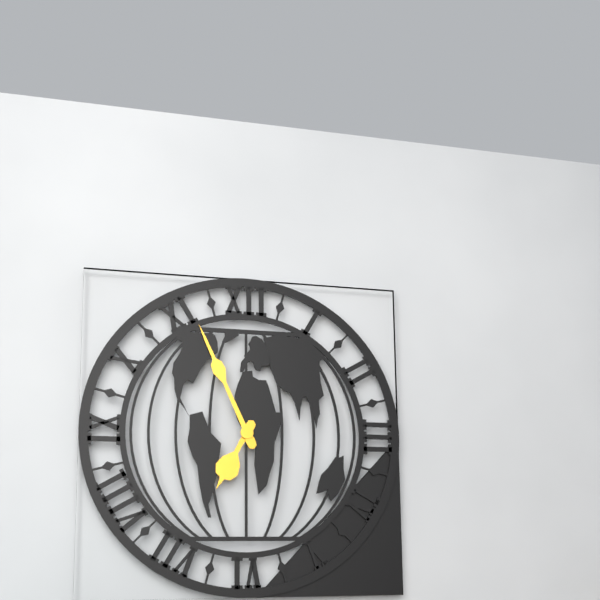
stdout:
6h56
